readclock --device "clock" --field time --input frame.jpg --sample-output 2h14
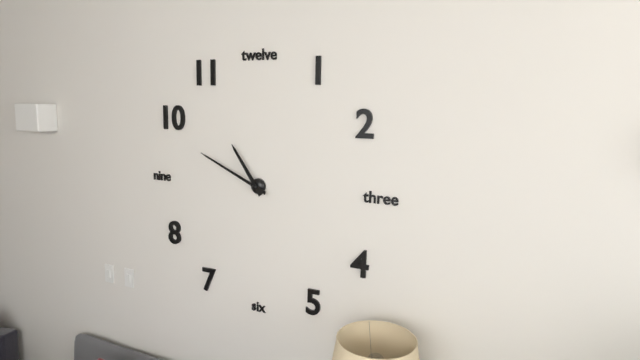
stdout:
10h49
